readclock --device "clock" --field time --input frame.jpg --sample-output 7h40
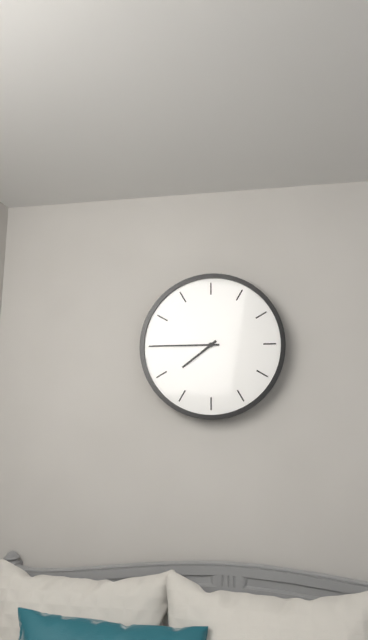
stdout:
7h45
